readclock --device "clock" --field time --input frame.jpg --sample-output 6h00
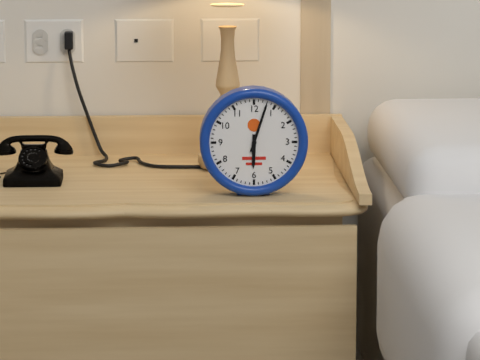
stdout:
6h03
